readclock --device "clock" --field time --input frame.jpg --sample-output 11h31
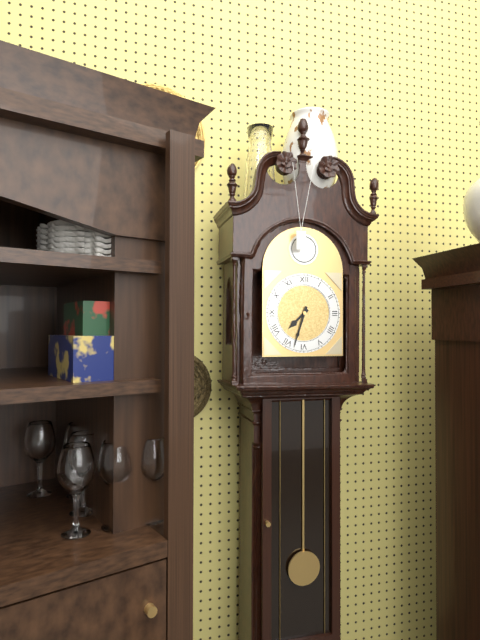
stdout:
7h33
